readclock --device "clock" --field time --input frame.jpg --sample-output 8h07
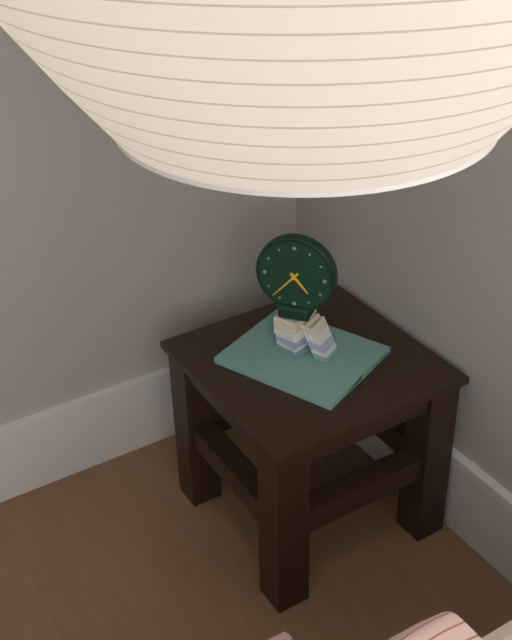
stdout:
4h37
